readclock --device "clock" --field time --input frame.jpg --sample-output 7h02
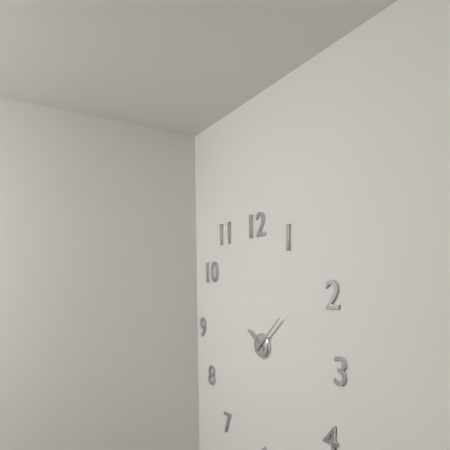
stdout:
10h08
